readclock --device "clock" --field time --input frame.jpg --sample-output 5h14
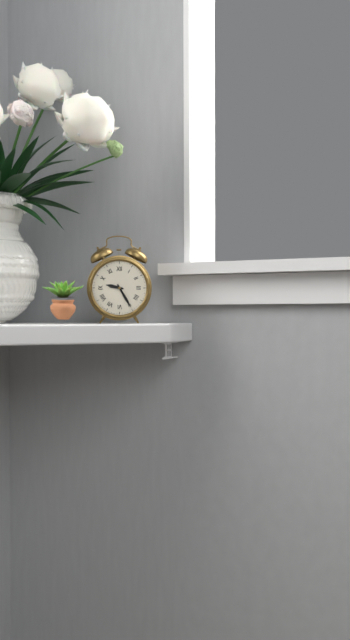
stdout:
9h25
